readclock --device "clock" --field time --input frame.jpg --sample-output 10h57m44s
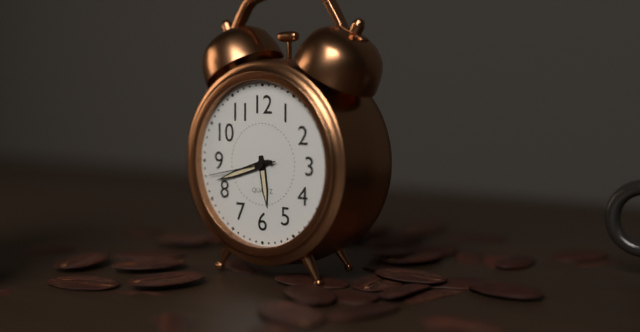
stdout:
5h42m43s
